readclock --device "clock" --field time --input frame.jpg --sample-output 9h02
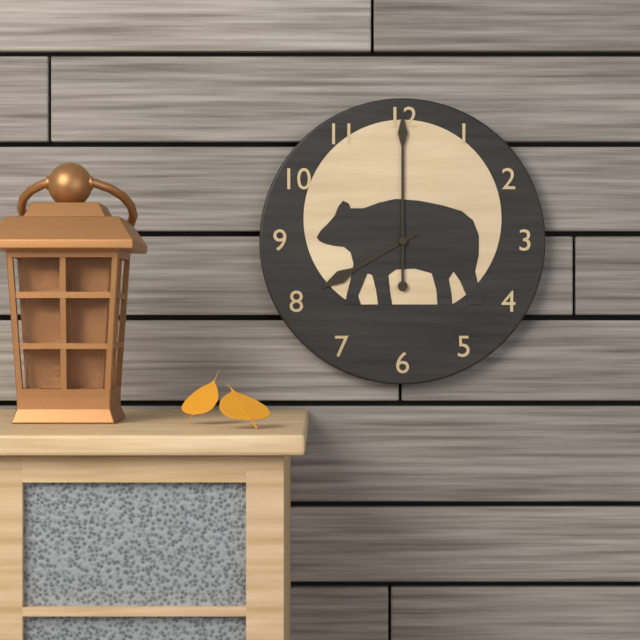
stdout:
8h00
